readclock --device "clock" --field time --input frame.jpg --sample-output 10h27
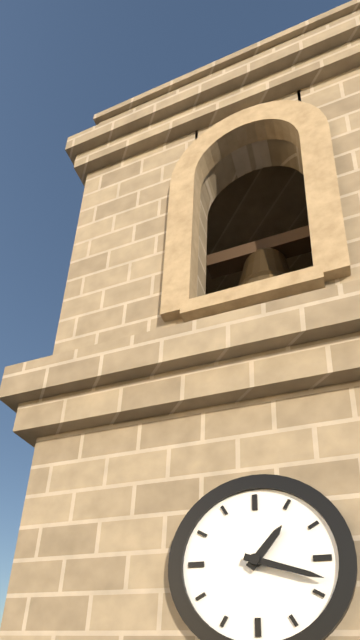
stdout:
1h18
